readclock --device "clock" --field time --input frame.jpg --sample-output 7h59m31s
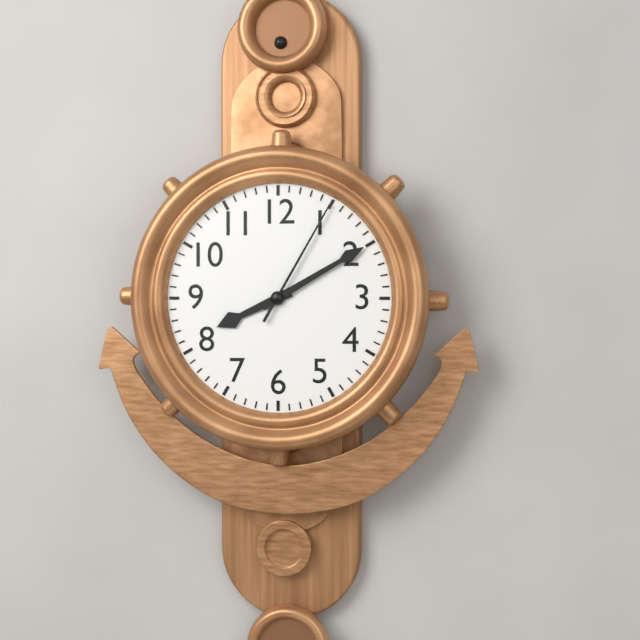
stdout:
8h10m05s
